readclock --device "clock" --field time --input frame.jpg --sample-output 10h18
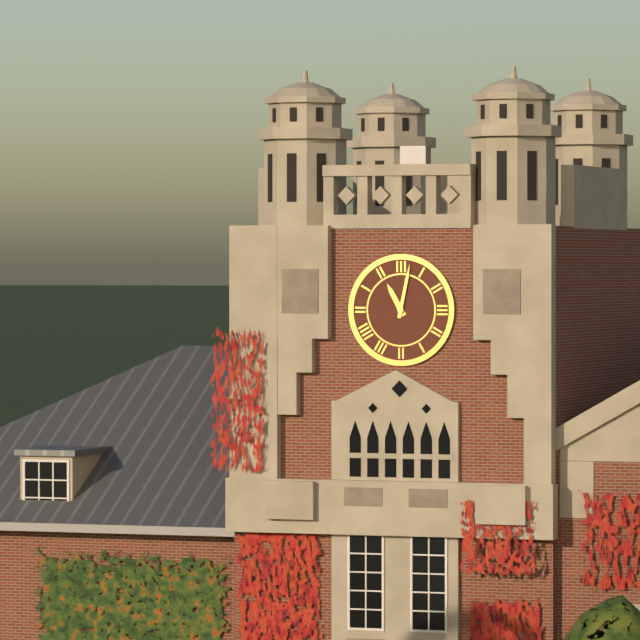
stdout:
11h02
